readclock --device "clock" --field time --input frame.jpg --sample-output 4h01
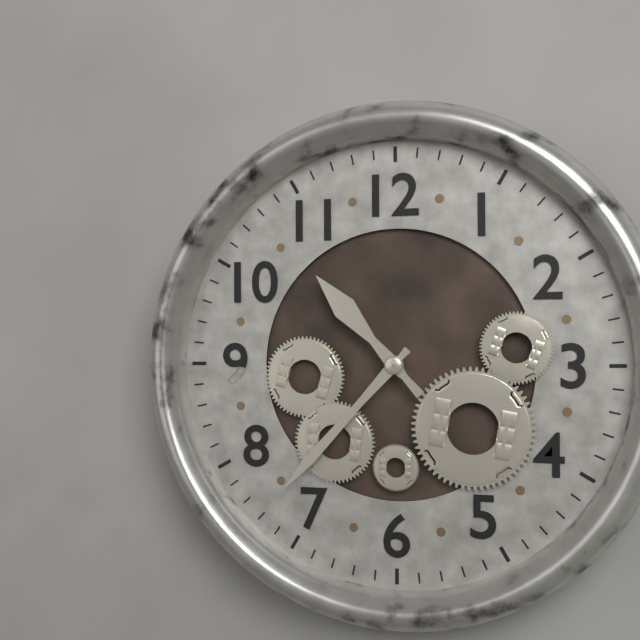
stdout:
10h37
